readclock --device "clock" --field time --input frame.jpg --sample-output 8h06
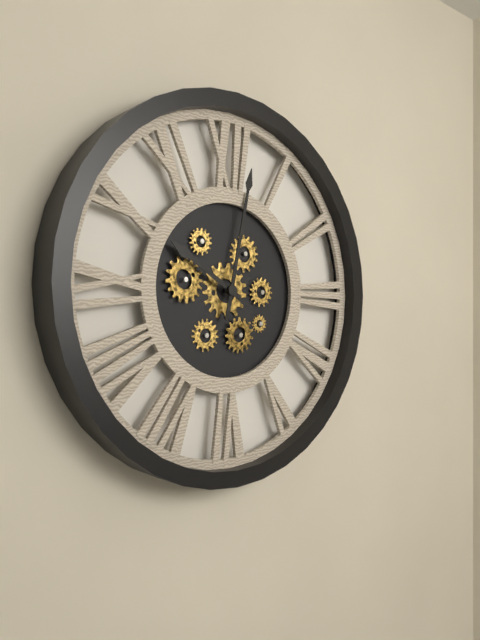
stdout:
10h02
